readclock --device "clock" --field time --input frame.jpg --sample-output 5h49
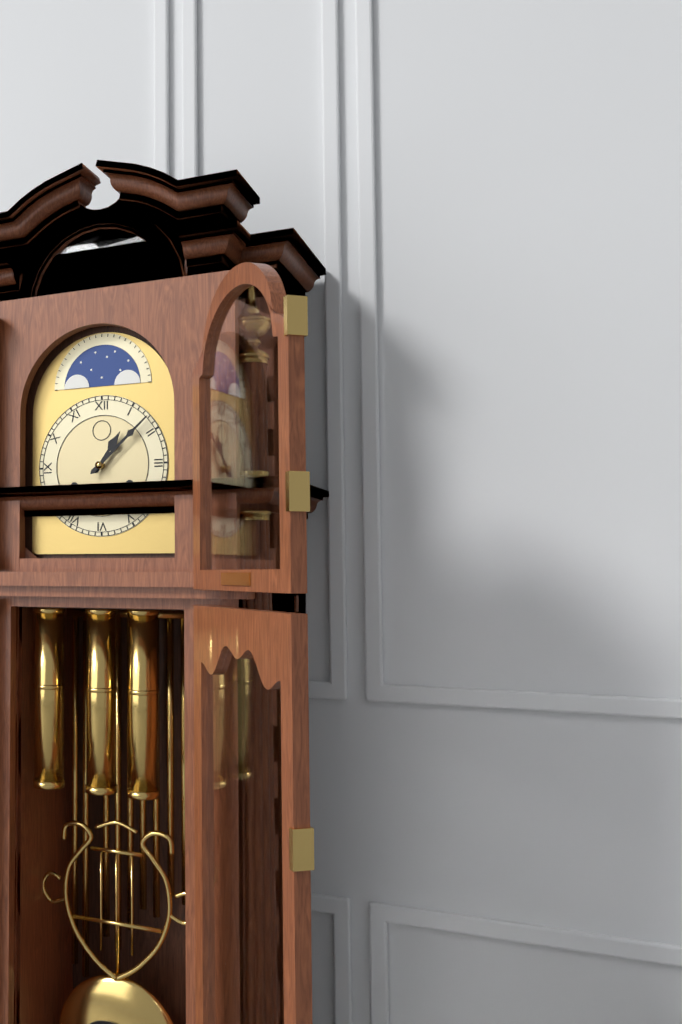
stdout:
1h08
